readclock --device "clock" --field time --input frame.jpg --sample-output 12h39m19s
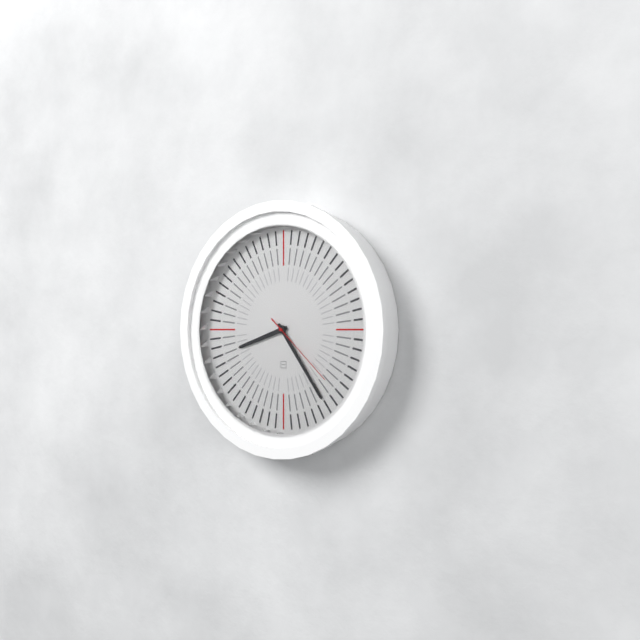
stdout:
8h24m22s
